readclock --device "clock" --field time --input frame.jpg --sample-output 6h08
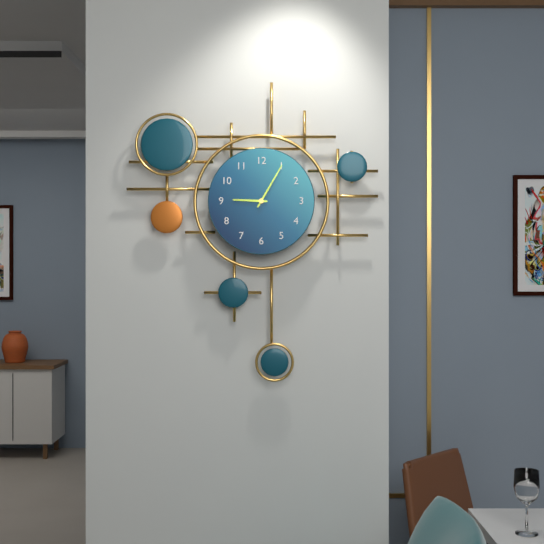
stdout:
9h05
